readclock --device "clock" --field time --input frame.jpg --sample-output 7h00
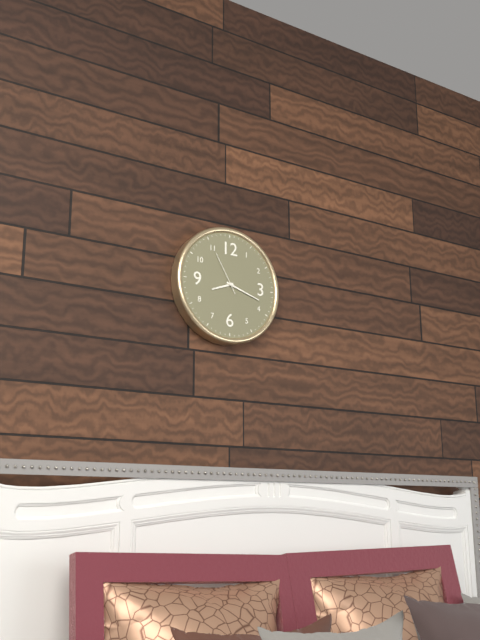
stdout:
8h18
